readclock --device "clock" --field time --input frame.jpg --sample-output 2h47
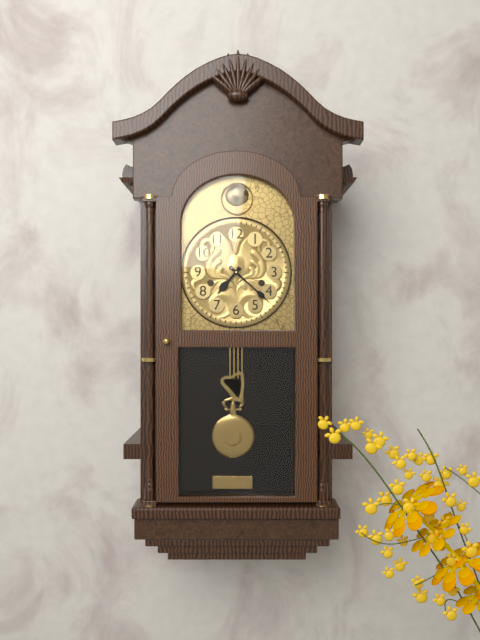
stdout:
7h22
